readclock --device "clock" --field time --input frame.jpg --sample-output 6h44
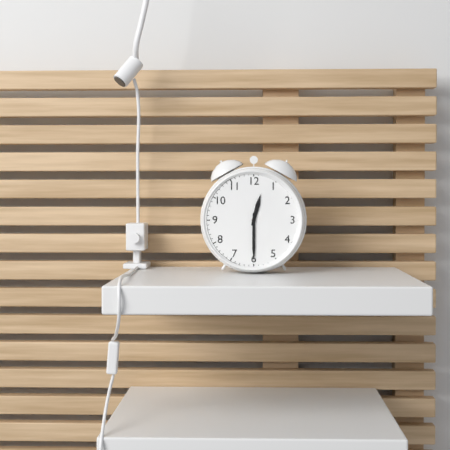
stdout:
12h30
